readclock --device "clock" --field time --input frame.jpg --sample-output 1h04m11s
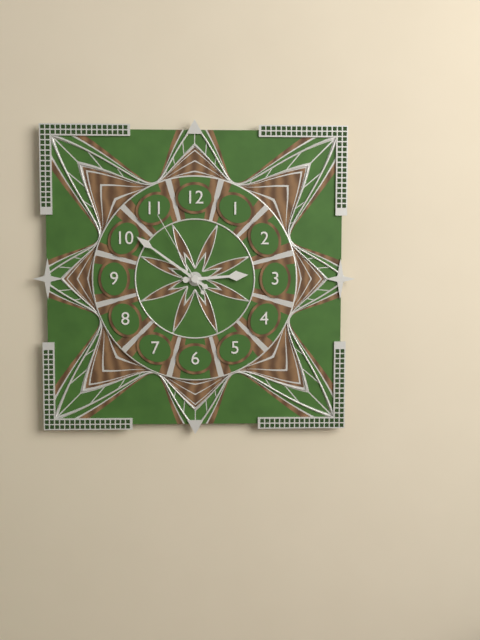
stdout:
2h51m55s
